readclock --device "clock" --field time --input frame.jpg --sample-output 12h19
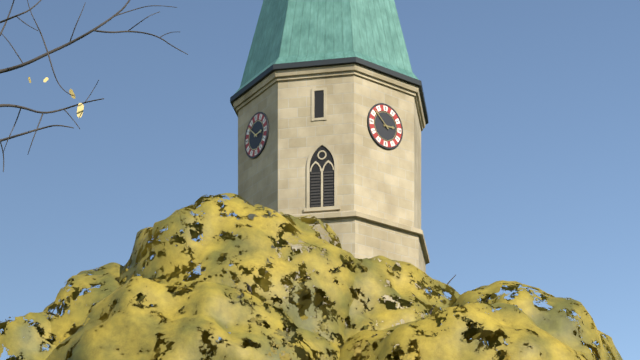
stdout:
2h52
